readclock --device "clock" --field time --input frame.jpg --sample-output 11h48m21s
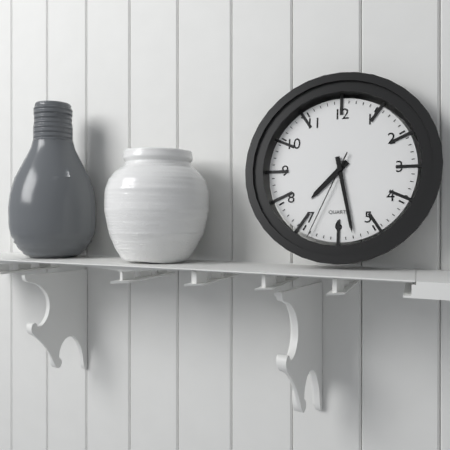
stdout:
7h28m34s
